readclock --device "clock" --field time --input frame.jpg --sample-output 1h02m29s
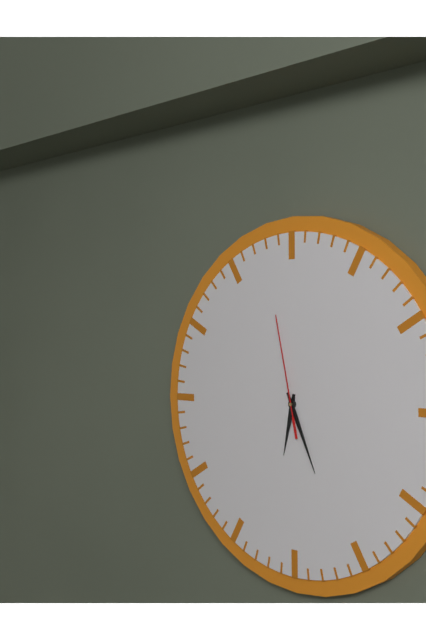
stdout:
6h26m58s
